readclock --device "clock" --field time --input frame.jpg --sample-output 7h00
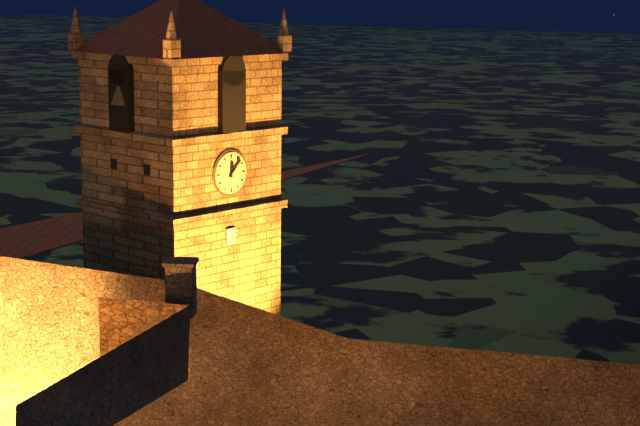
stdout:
12h07
